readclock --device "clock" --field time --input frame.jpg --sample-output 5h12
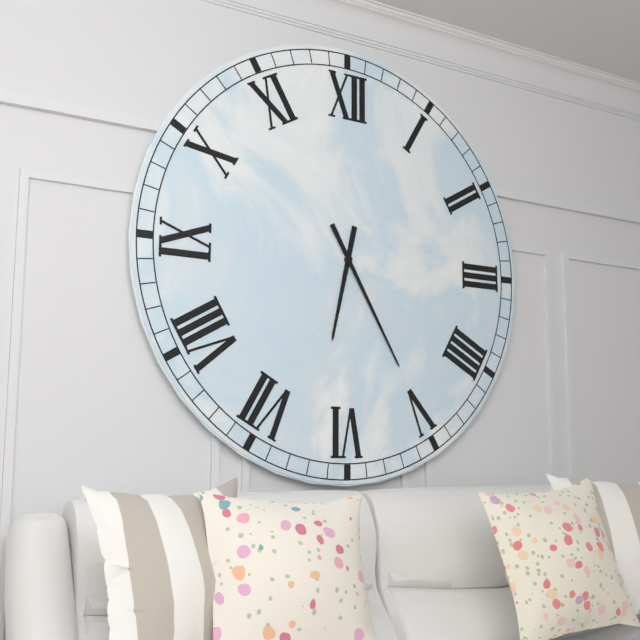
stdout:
6h25
